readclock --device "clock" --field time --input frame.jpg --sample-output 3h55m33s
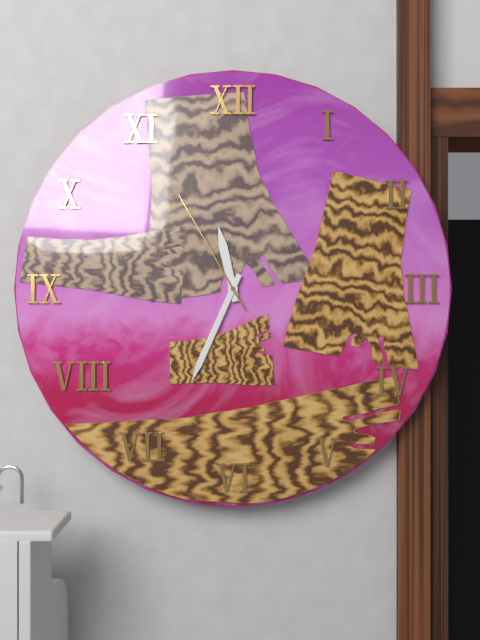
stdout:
11h34m55s
